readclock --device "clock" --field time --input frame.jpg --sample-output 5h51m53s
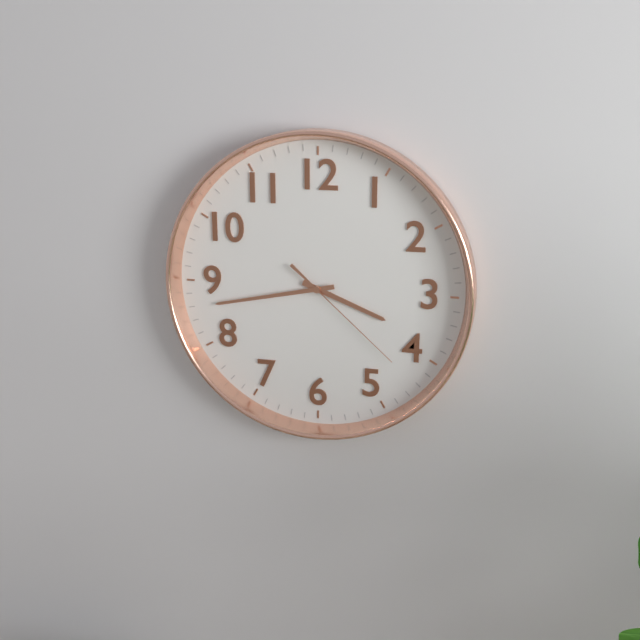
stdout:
3h43m22s
